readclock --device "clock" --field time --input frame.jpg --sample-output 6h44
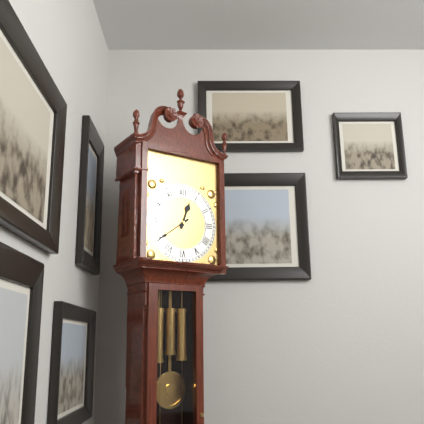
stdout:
12h39
